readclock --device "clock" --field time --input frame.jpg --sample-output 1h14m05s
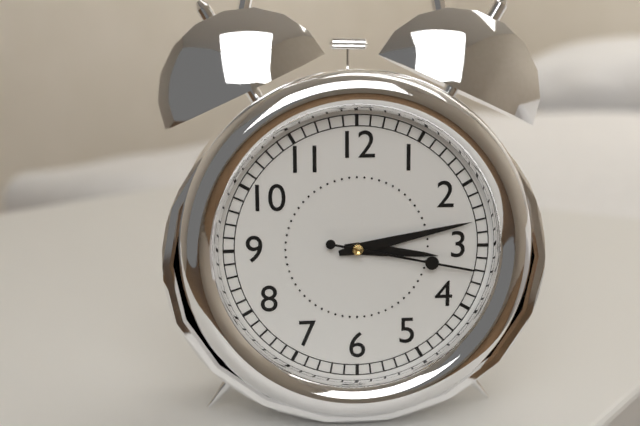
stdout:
3h13m17s
